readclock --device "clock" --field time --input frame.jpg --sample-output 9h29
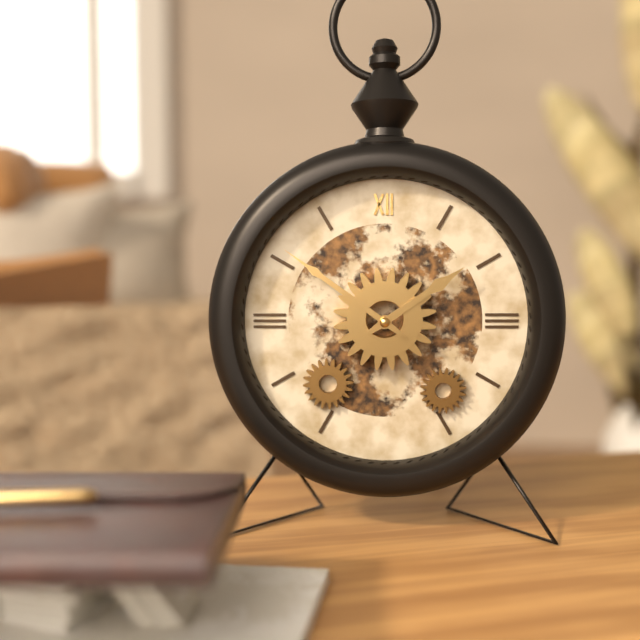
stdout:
1h51
